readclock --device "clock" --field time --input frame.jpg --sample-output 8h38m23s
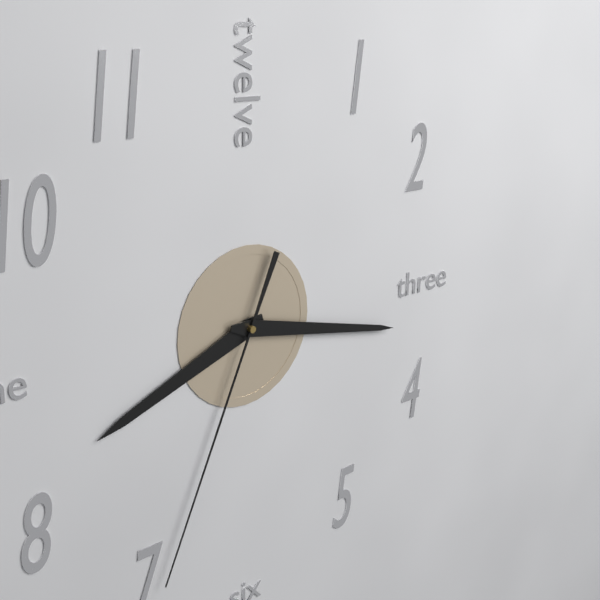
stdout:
8h17m34s
